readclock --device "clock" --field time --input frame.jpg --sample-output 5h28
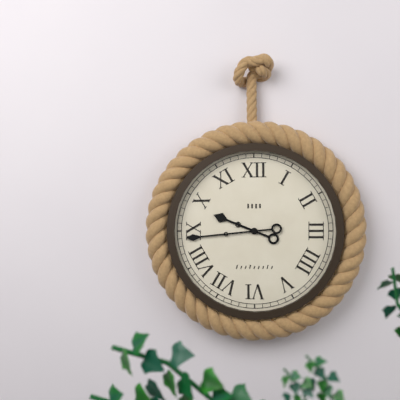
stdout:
9h44
